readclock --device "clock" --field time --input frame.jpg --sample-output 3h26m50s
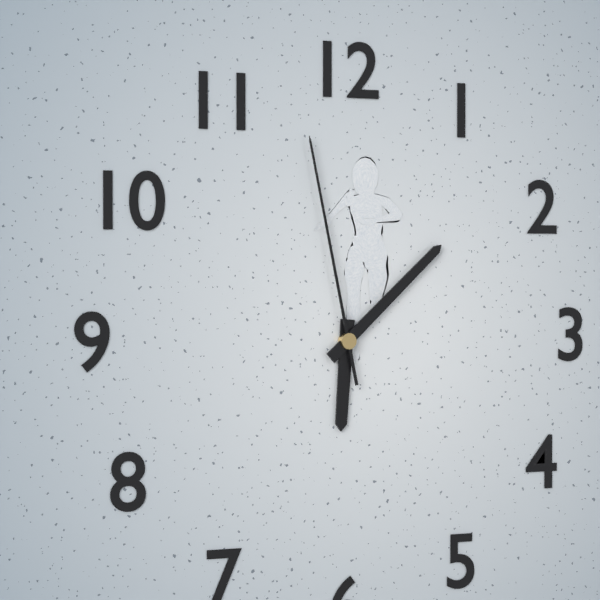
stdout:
6h08m58s
